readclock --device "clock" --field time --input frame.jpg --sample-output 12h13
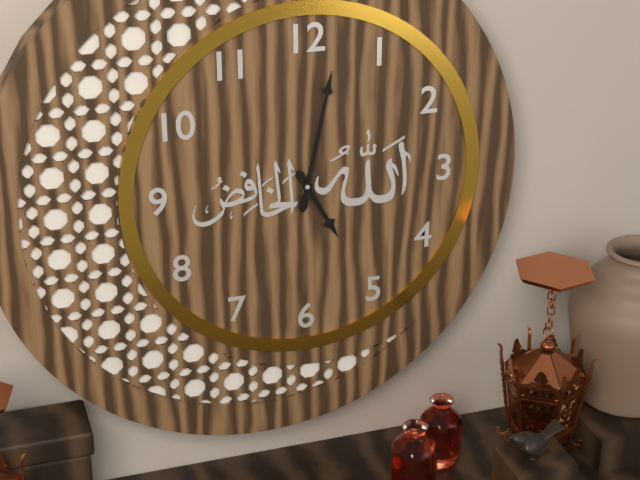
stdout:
5h02
